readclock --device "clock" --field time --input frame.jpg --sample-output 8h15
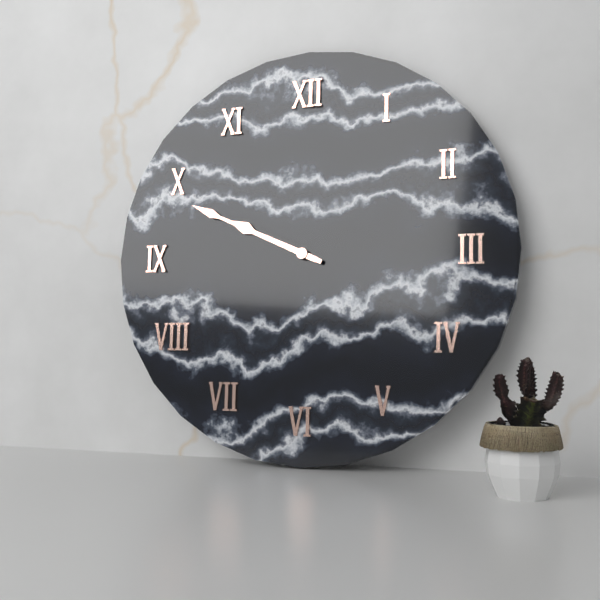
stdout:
9h49
